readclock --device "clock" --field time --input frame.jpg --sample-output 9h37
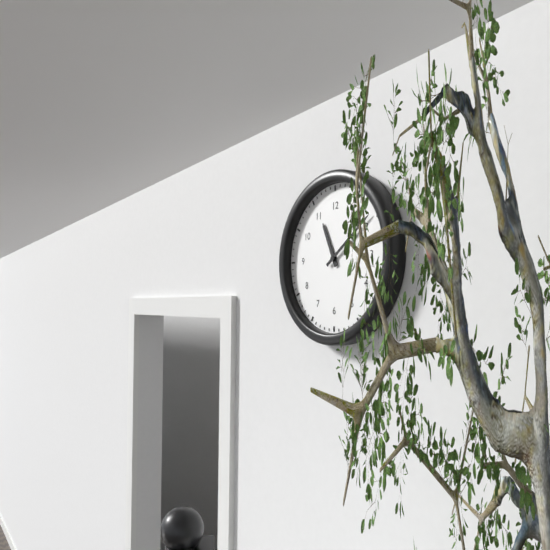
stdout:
11h09
